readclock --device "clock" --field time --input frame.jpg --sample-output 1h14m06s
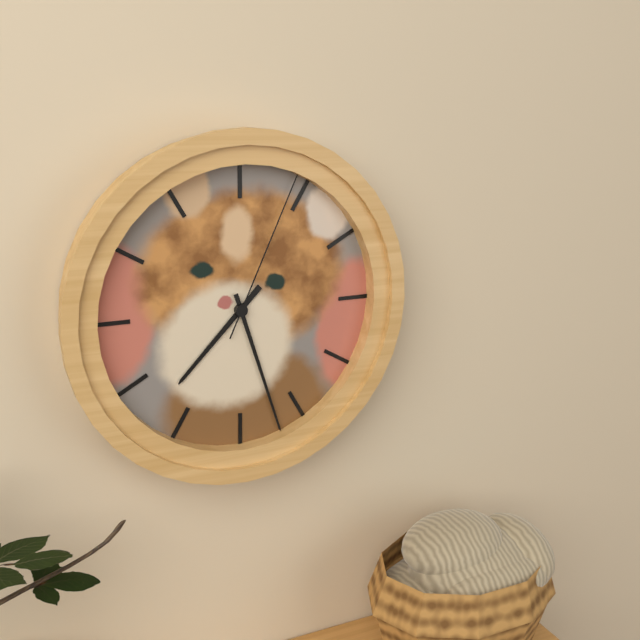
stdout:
7h27m04s
